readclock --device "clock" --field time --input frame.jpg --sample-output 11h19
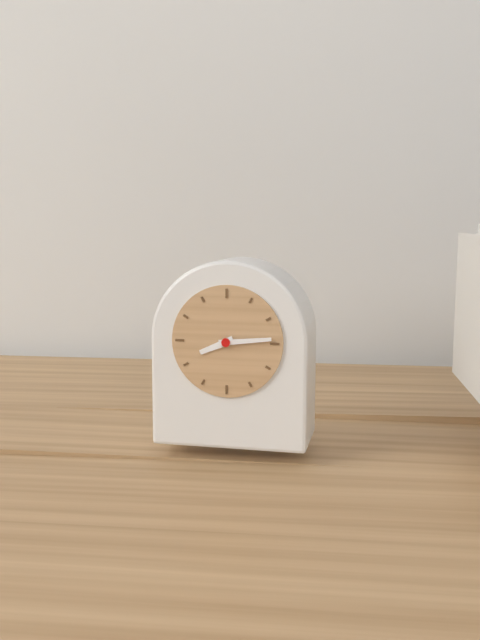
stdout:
8h14
